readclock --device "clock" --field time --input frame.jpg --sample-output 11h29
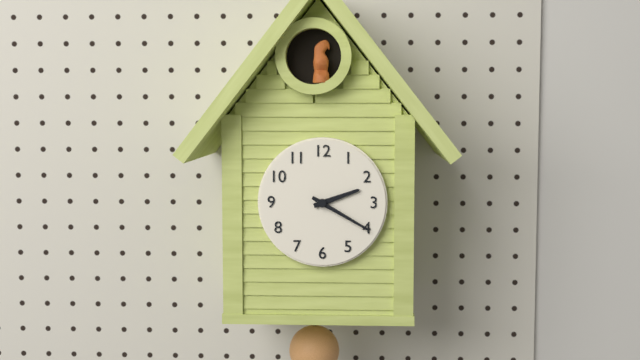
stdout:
2h20
